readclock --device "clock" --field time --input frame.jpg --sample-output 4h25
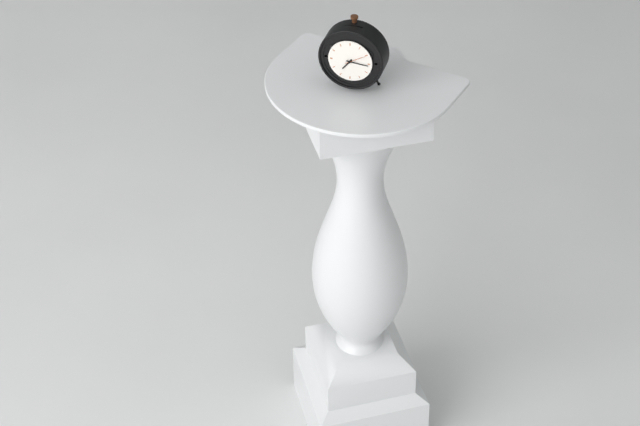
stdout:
7h16
